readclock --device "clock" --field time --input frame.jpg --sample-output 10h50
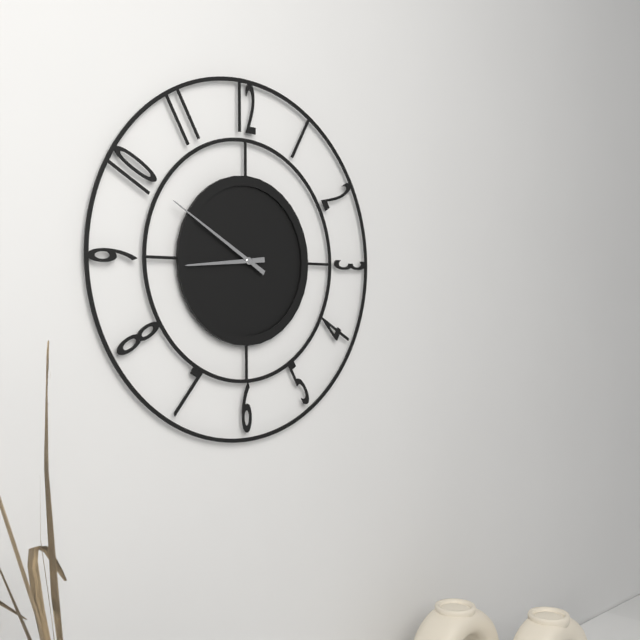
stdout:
8h50
